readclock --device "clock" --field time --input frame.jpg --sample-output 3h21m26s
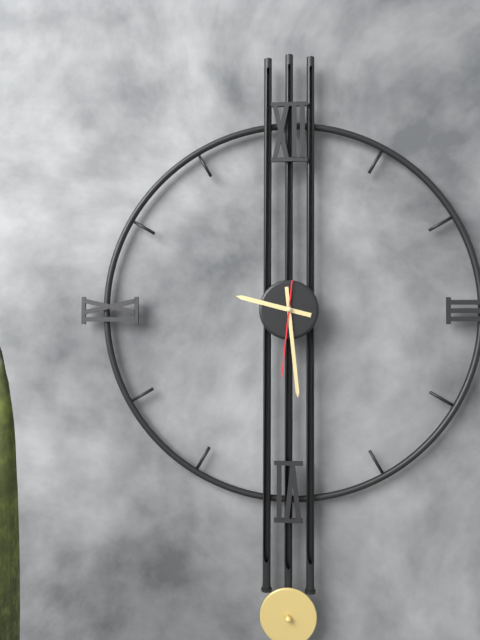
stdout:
9h29m31s
